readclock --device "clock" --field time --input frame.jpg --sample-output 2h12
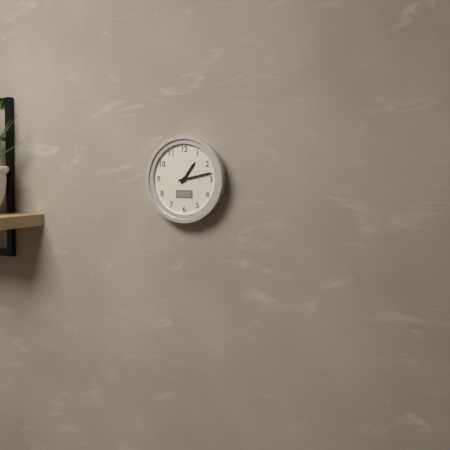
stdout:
1h13
